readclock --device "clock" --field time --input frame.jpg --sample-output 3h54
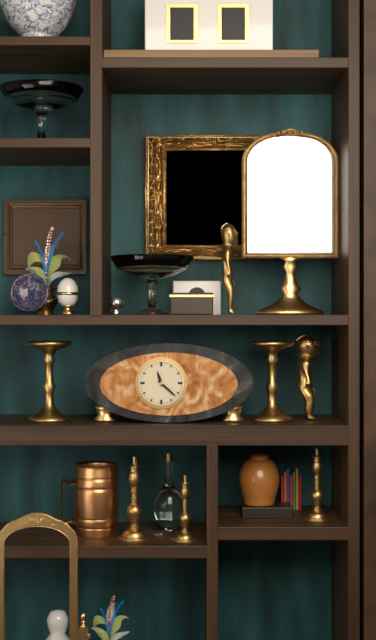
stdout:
11h22
